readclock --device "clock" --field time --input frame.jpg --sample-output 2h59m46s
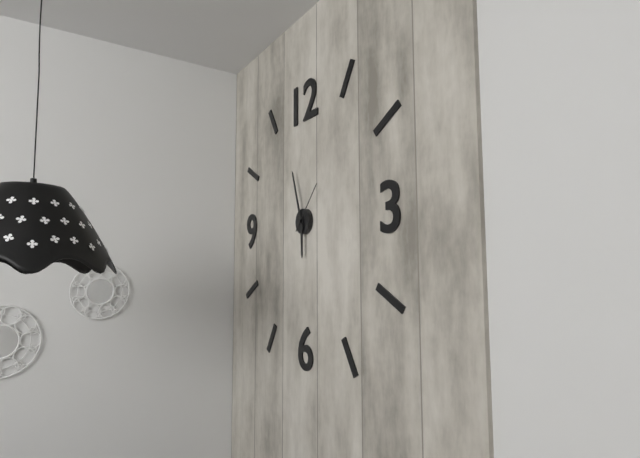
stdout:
5h57m07s
